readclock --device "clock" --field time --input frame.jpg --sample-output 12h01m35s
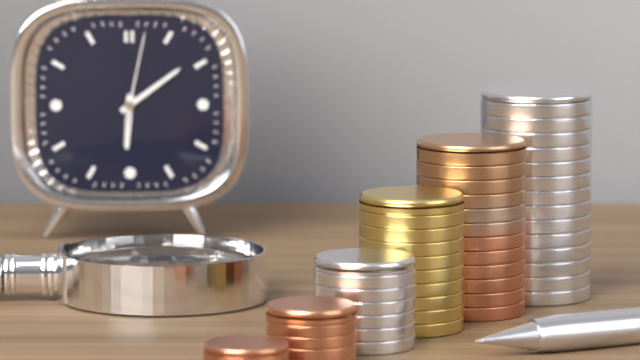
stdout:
6h09m02s
